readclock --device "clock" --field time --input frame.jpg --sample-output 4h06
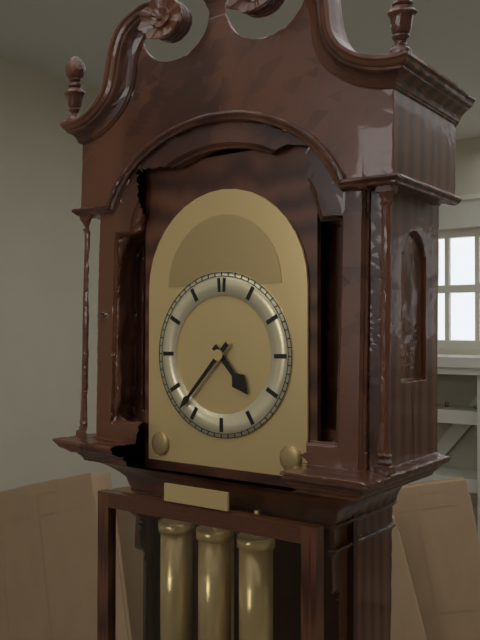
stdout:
4h37
